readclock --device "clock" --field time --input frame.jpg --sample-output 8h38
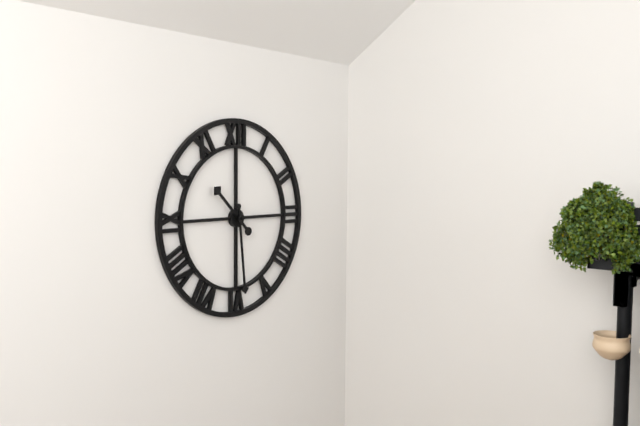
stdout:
10h29
